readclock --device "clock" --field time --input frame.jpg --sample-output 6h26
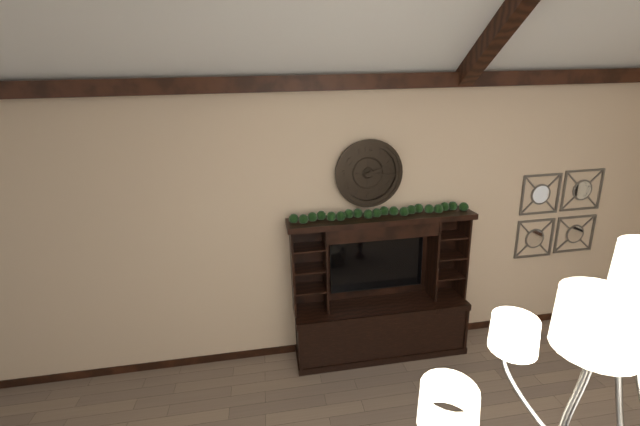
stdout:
2h16
